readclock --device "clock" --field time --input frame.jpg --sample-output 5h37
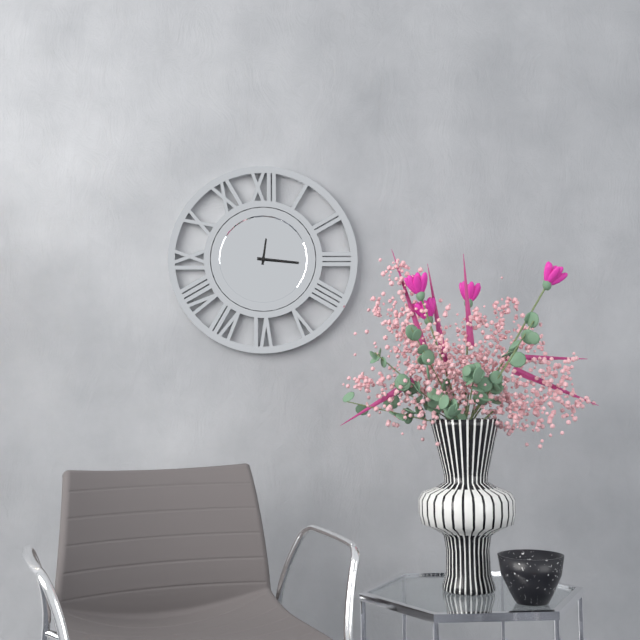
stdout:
12h16
